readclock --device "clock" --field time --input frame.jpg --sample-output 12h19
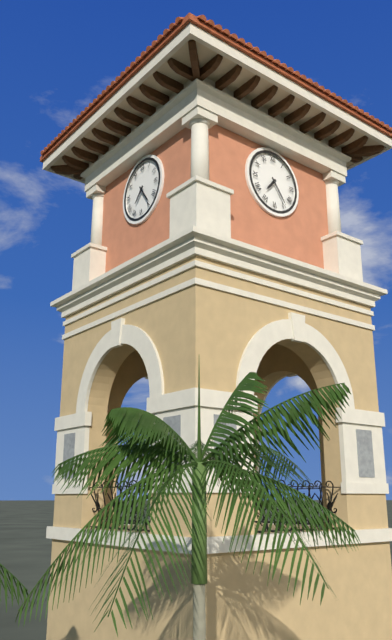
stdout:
7h24
